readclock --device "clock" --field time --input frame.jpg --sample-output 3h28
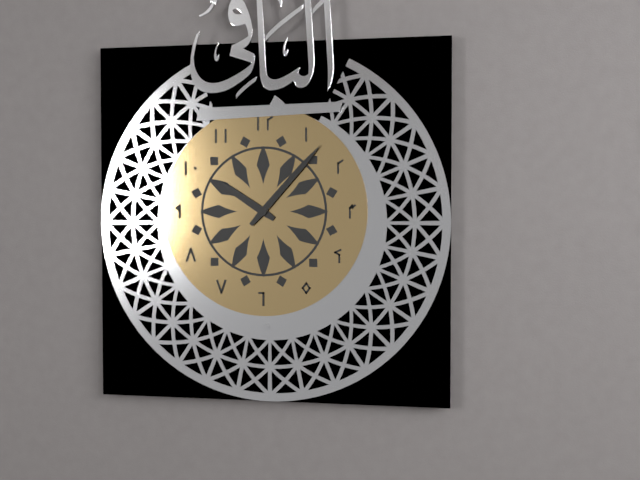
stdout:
10h07
